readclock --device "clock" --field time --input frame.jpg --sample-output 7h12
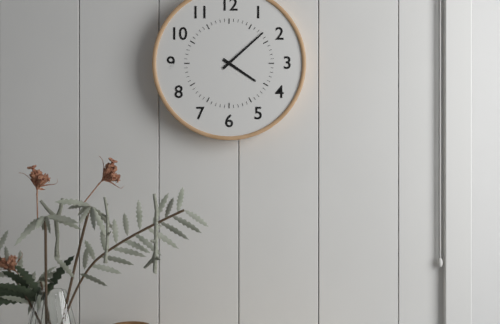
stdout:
4h08
